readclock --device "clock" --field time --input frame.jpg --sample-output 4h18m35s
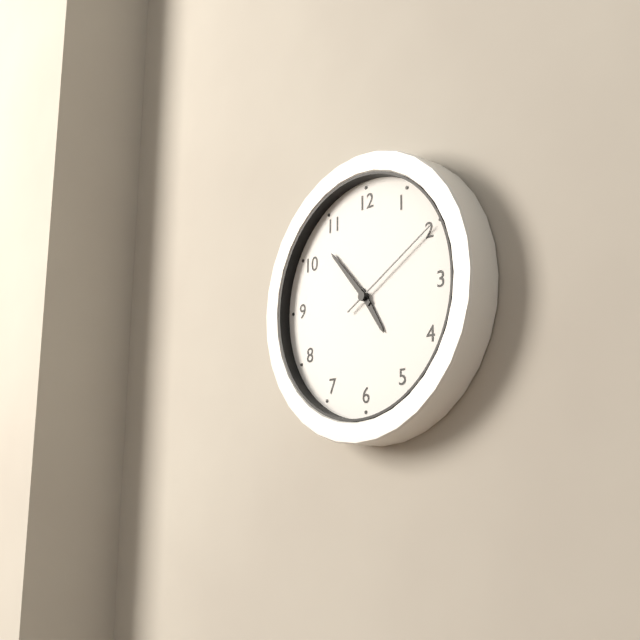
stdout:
4h53m10s
